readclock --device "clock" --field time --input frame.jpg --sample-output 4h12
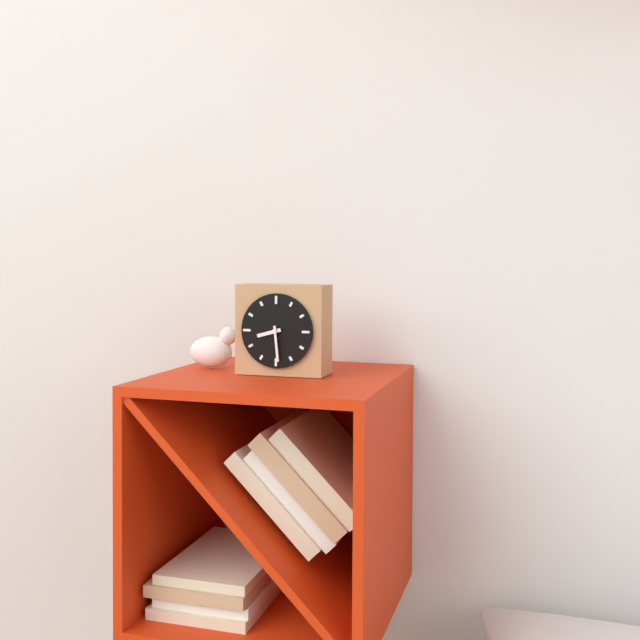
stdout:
8h29
